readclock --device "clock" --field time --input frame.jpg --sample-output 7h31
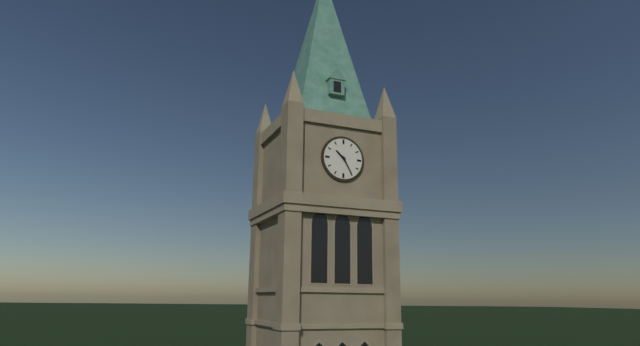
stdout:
10h25
